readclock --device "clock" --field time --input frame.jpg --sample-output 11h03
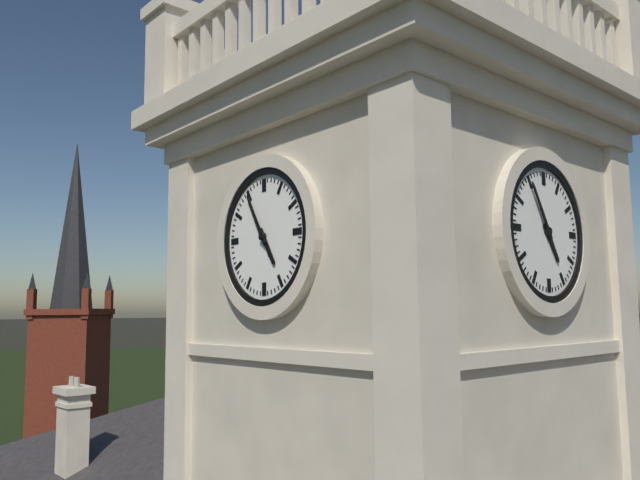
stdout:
4h55
